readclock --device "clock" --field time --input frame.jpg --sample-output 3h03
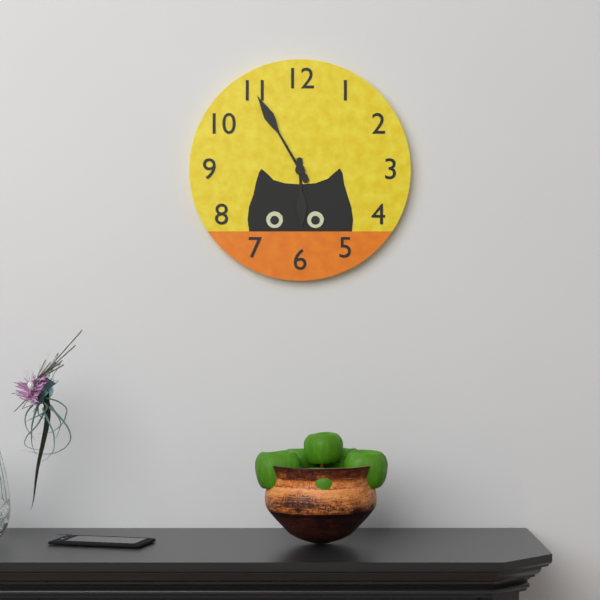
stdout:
5h55
